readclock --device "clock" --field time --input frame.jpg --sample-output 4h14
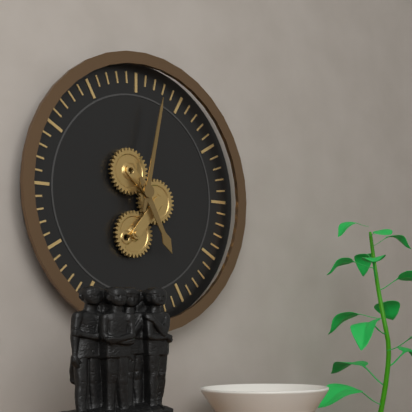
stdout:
5h02
